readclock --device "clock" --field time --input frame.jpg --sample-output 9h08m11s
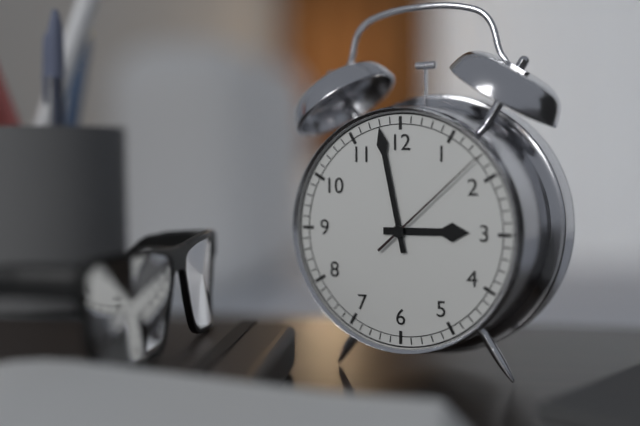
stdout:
2h58m08s
